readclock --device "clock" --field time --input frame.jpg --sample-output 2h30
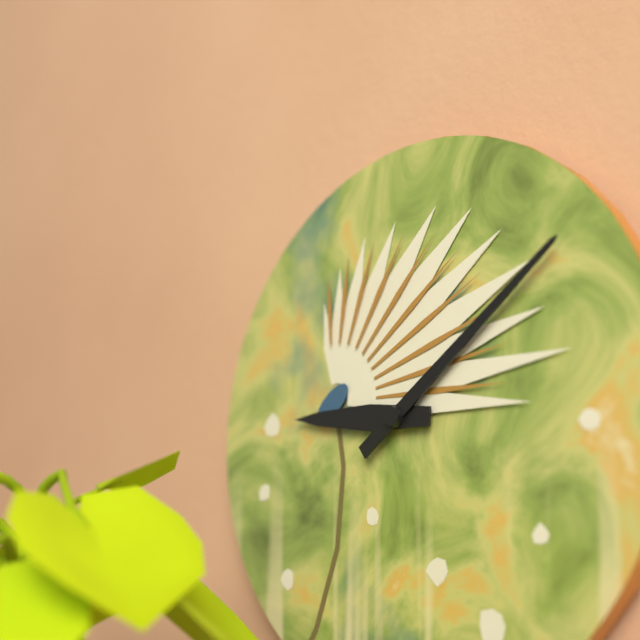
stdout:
9h09
